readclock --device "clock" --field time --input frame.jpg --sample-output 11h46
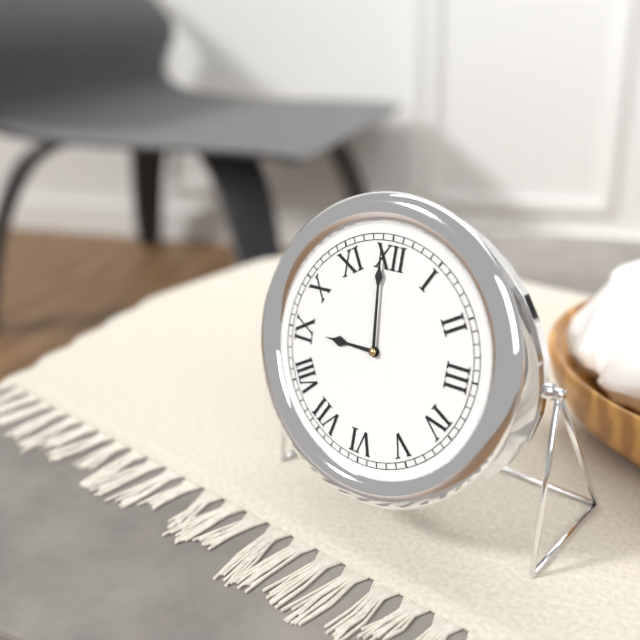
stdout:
8h59
